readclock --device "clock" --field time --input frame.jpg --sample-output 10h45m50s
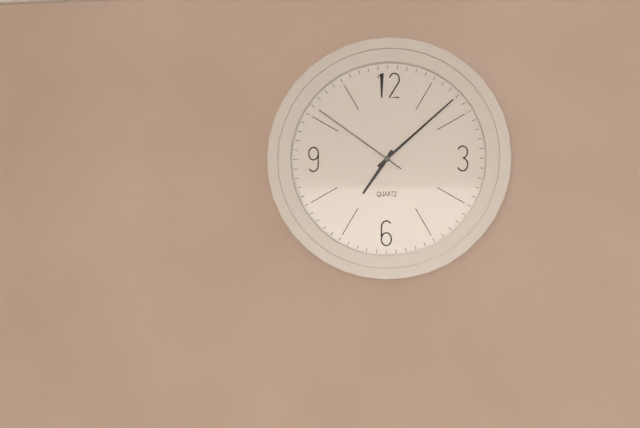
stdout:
7h08m51s
